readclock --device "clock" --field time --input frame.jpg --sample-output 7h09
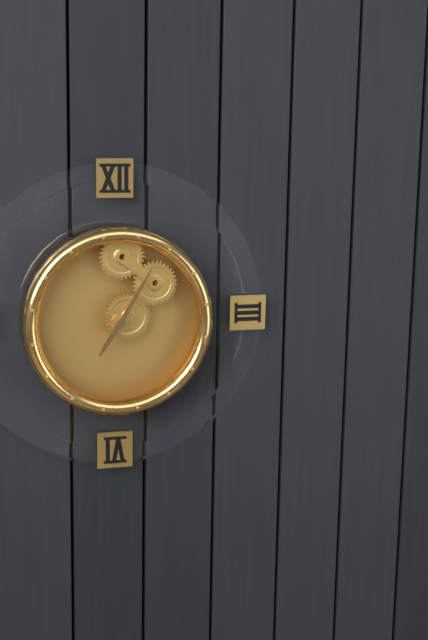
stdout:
7h05
